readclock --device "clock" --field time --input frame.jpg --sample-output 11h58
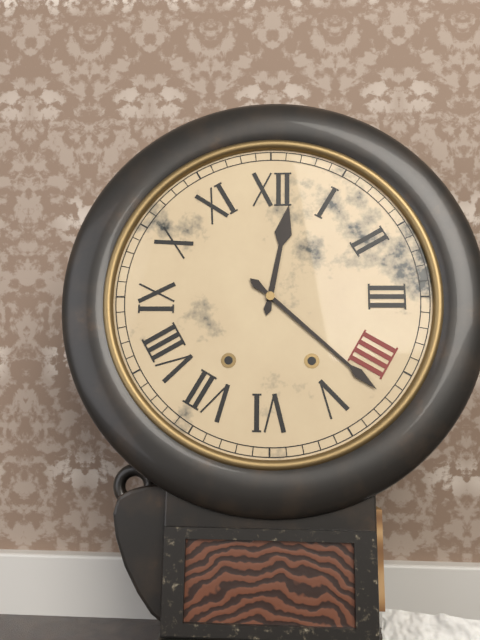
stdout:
12h22
